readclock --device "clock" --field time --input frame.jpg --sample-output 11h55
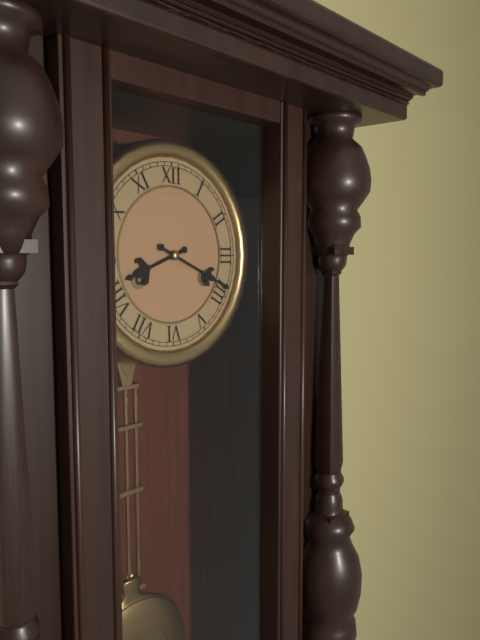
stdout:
8h19
